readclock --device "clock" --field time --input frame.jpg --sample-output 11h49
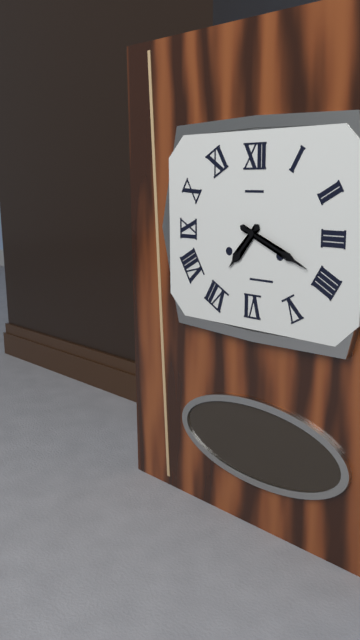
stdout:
7h19
